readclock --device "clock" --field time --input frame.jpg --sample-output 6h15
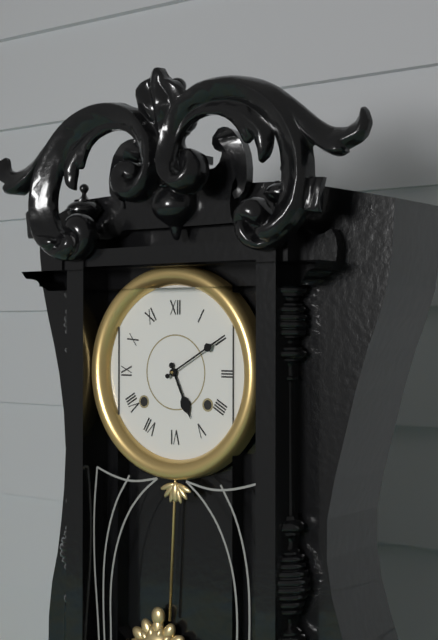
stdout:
5h10
